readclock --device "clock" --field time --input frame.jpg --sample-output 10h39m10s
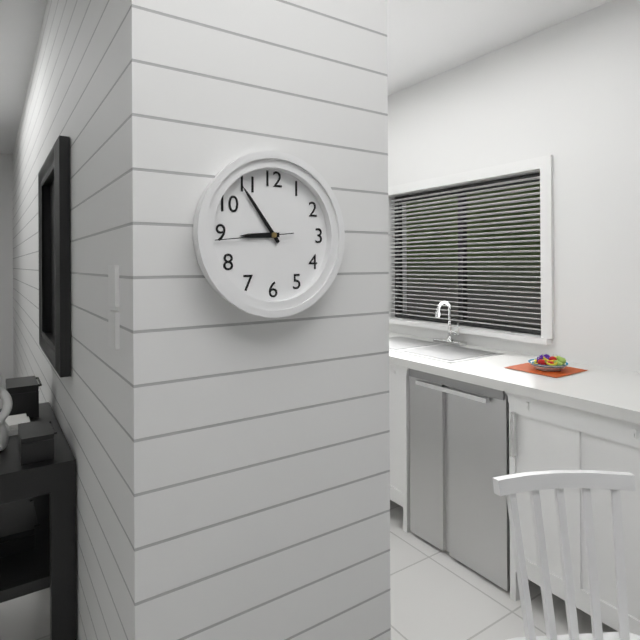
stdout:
8h54m44s
